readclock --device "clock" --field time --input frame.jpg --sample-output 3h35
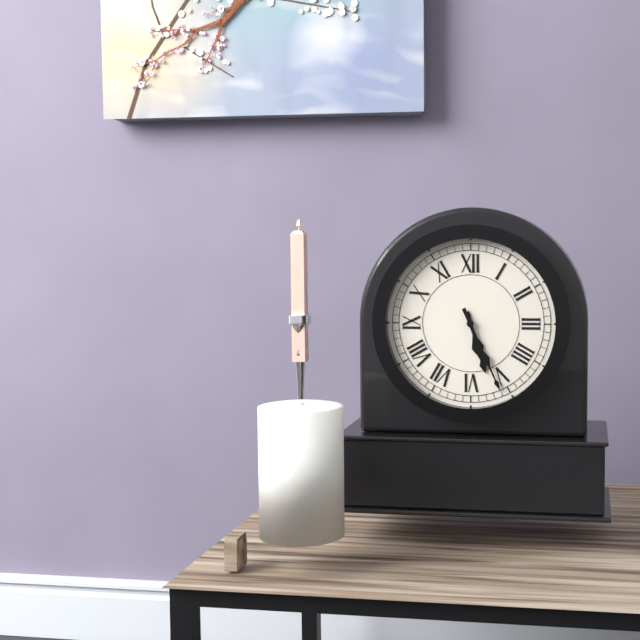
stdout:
5h26
